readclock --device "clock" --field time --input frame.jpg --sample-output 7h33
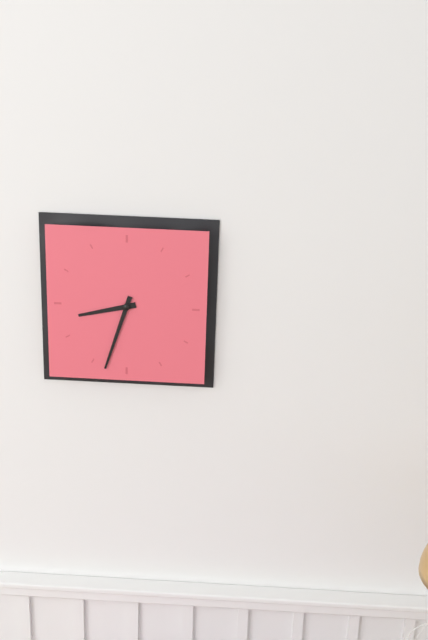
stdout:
8h33
